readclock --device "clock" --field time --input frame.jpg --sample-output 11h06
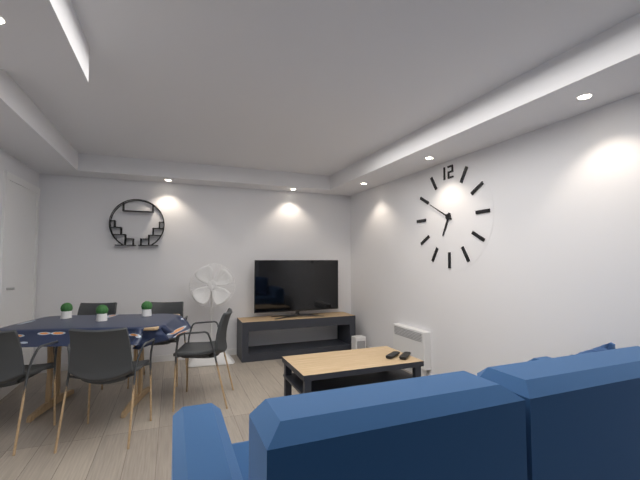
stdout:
6h50
